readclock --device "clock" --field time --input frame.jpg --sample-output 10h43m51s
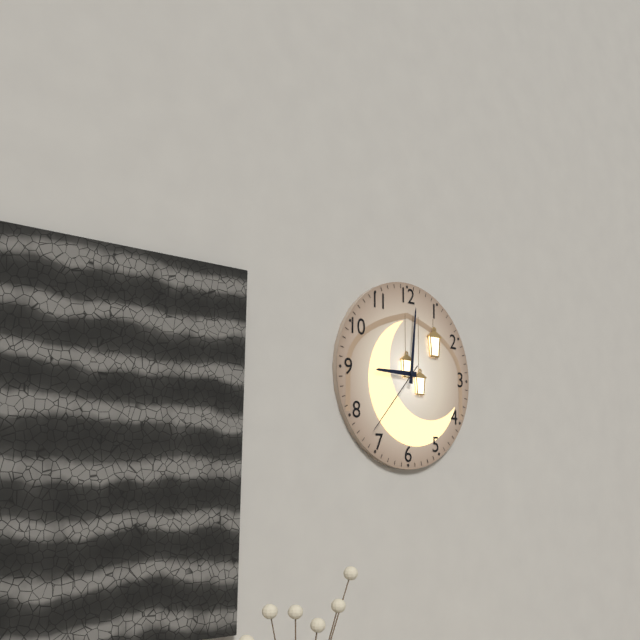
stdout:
9h01m37s
